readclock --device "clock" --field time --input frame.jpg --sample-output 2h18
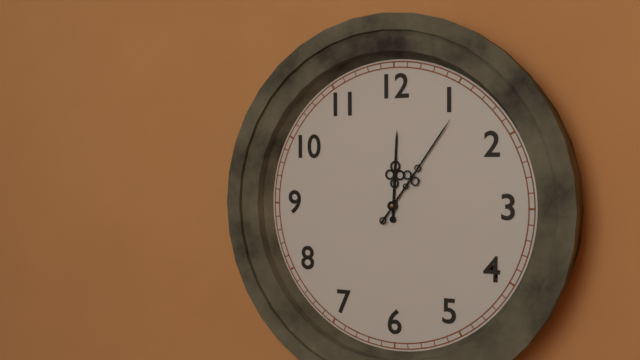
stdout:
12h06
